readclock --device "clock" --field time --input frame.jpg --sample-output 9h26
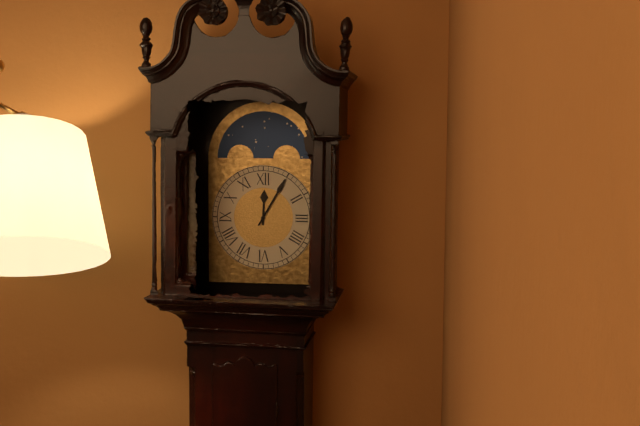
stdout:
12h05
